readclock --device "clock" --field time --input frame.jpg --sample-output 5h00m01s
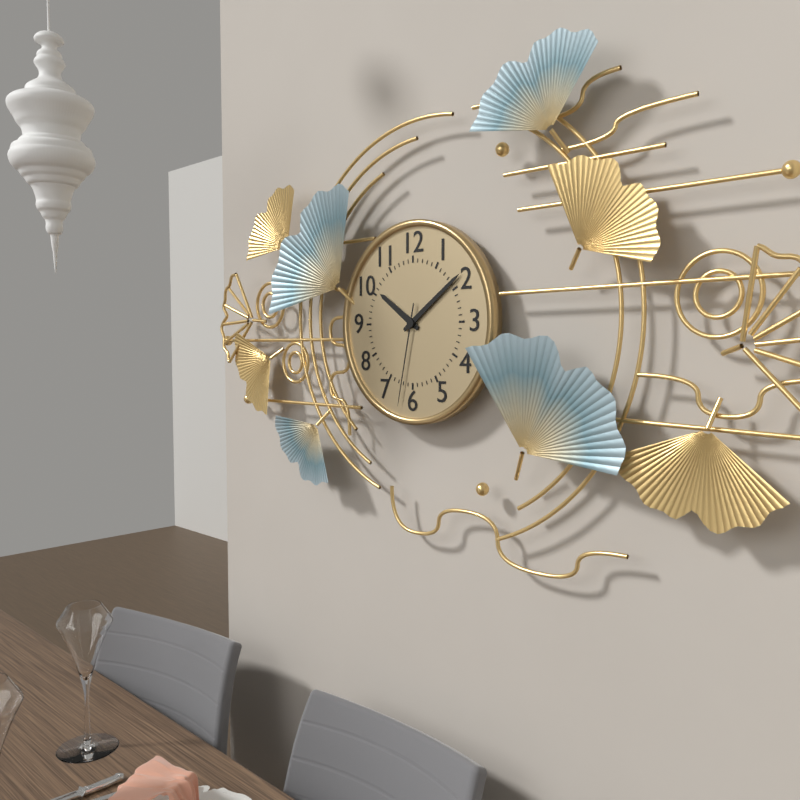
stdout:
10h09m32s
